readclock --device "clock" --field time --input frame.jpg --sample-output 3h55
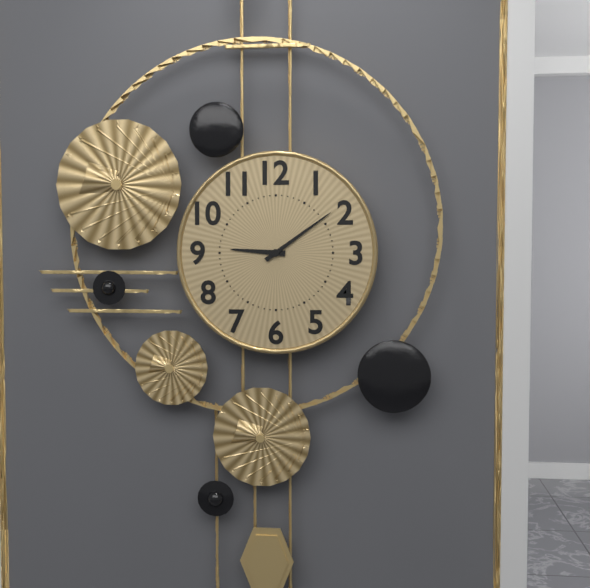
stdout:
9h09
